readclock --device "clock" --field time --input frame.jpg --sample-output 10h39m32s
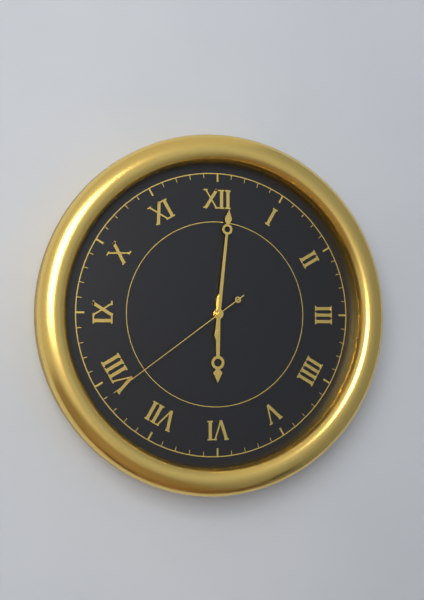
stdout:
6h01m39s
